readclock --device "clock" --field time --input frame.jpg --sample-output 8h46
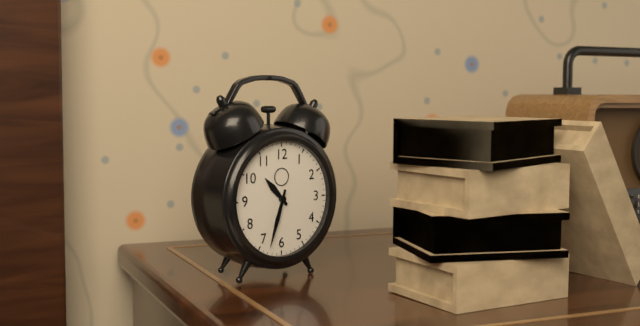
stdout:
10h33
